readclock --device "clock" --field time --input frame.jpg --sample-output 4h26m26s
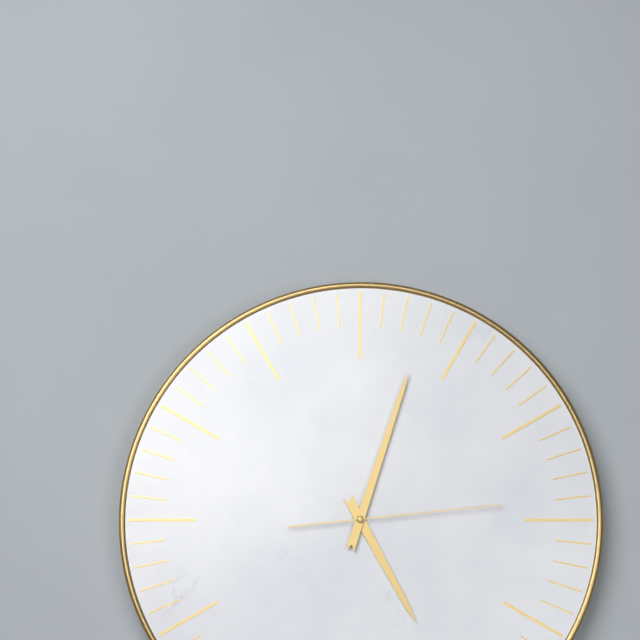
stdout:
5h03m14s
